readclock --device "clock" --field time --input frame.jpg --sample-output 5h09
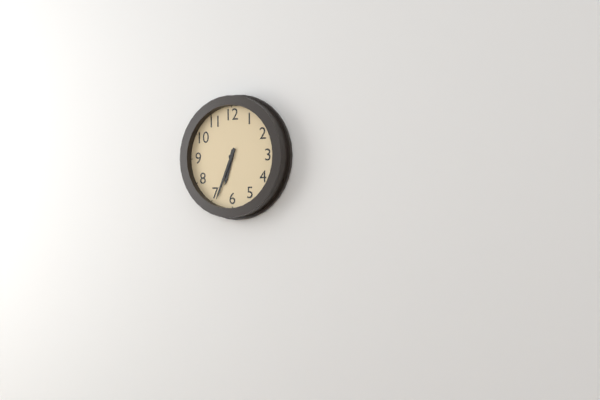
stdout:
6h34
